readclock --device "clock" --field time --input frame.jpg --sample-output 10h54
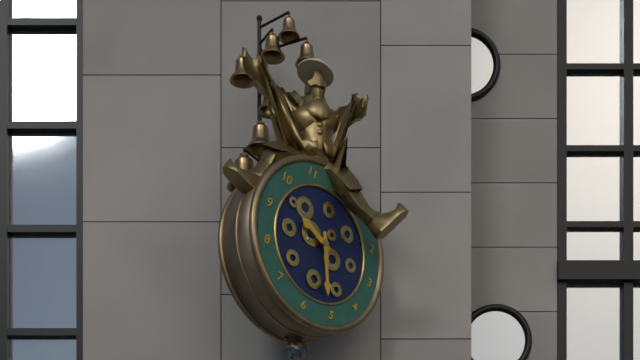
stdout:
9h26
